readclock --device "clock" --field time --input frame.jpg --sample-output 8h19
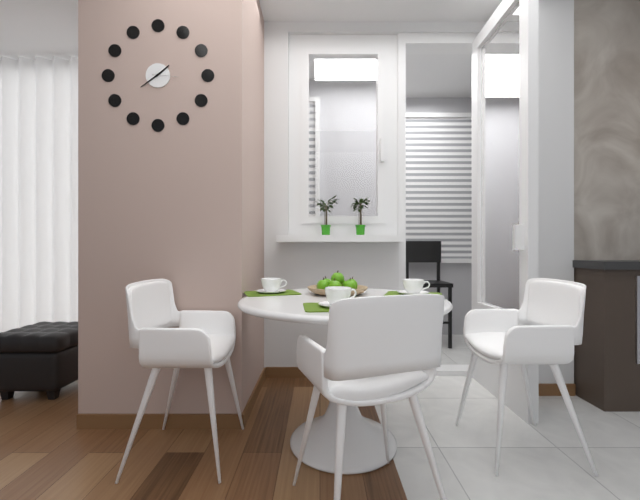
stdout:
1h39
